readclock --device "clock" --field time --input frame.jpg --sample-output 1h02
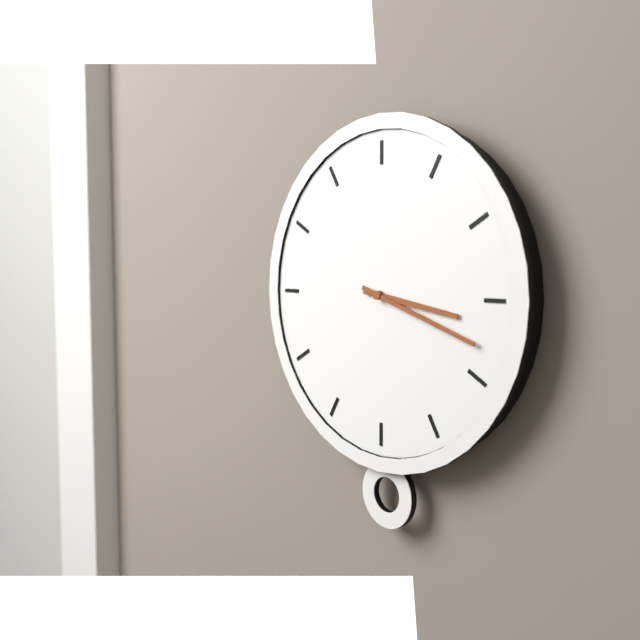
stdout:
3h18
